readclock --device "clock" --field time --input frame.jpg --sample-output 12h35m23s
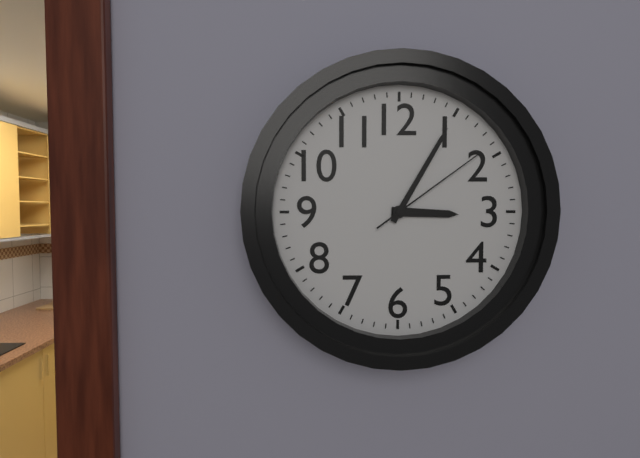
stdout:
3h05m09s
